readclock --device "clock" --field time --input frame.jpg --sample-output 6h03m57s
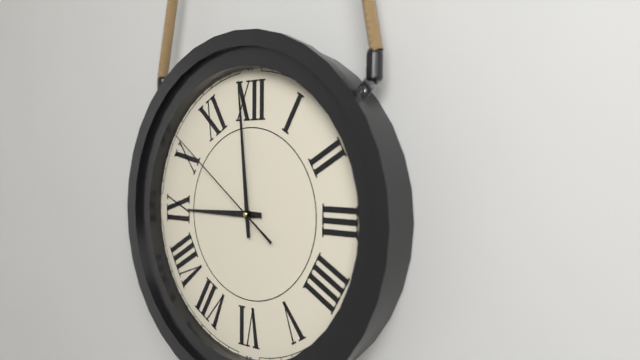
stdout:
8h59m51s
